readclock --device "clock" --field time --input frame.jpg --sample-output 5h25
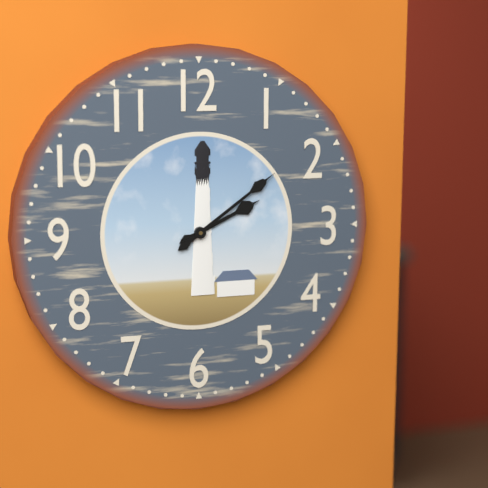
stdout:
2h09
